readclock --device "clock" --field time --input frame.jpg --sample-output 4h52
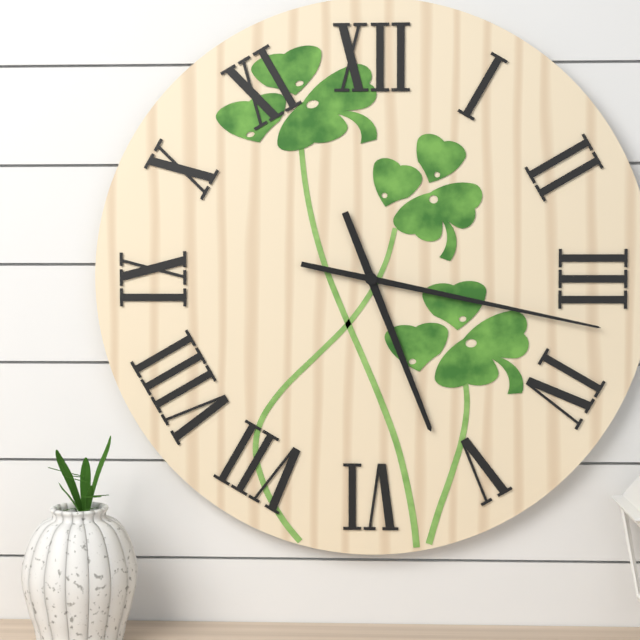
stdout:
5h17
